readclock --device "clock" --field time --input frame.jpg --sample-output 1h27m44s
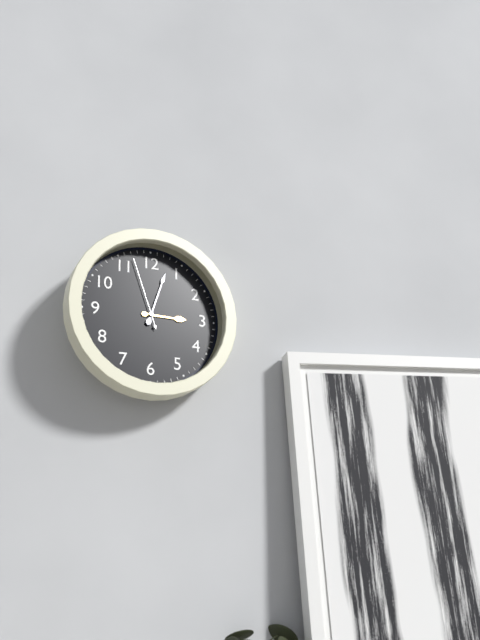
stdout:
3h03m57s
